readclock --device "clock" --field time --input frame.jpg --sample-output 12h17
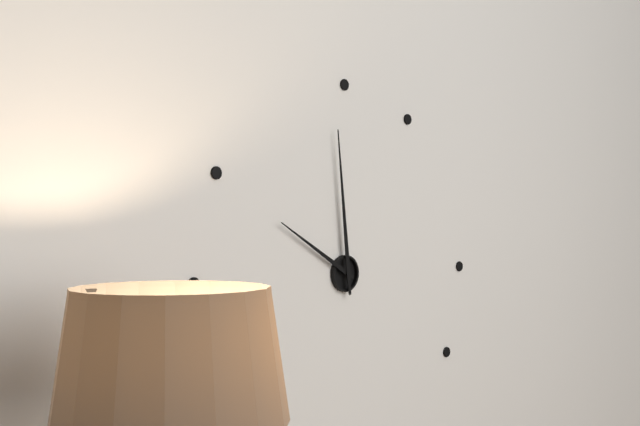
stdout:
9h59
